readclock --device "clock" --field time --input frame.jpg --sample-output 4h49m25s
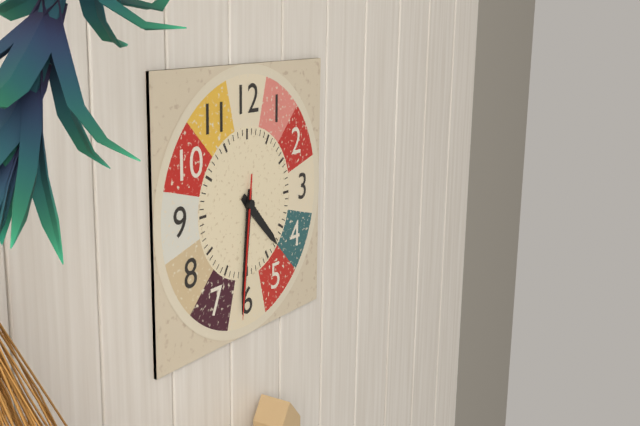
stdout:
4h31m31s
